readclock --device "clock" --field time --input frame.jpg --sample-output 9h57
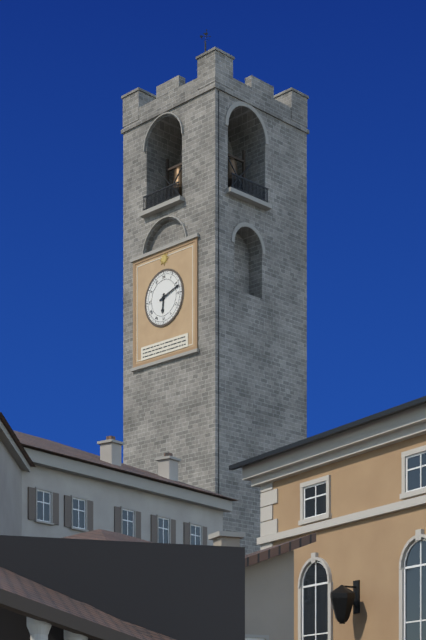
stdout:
6h12
